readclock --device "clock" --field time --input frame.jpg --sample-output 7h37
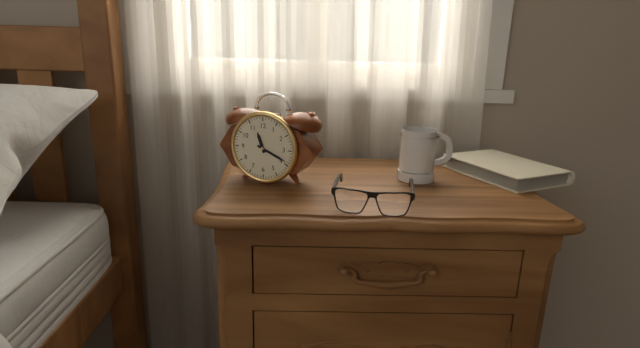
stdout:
11h19
